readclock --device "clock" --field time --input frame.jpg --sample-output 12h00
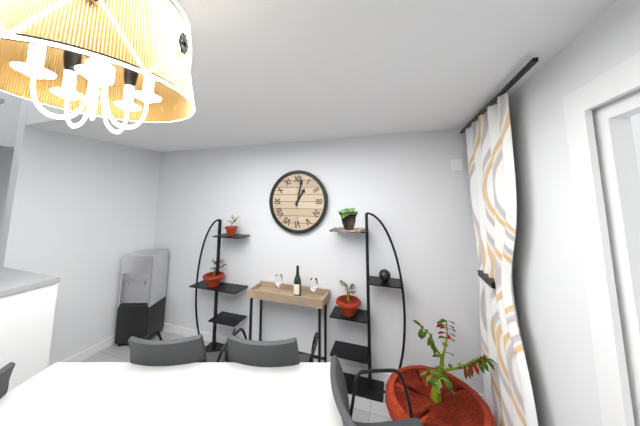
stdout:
1h02
